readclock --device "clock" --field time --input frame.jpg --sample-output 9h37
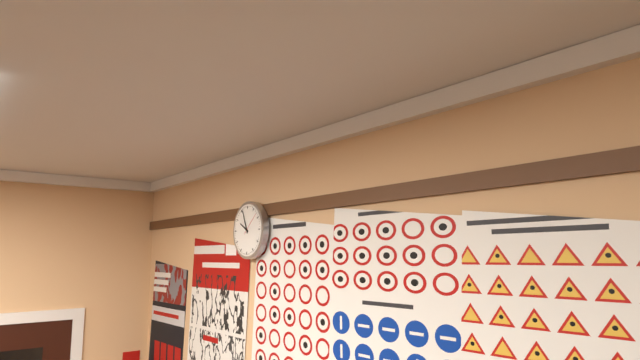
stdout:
9h56
